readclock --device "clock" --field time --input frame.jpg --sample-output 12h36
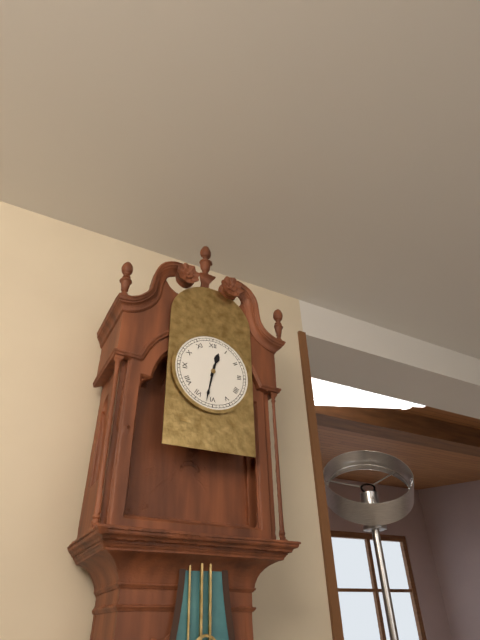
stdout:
12h32
